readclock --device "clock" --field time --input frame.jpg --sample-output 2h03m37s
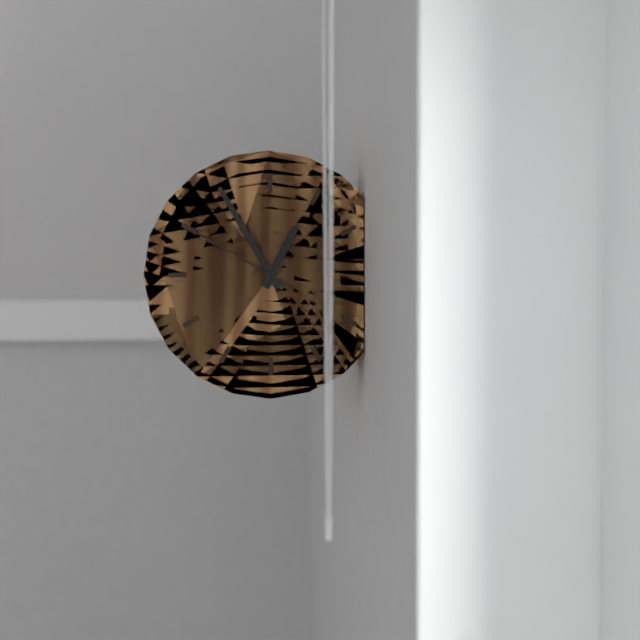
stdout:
12h55m50s
